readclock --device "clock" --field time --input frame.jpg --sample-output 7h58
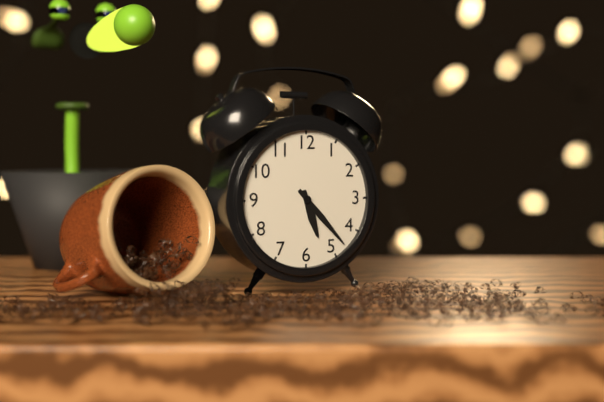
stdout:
5h23
